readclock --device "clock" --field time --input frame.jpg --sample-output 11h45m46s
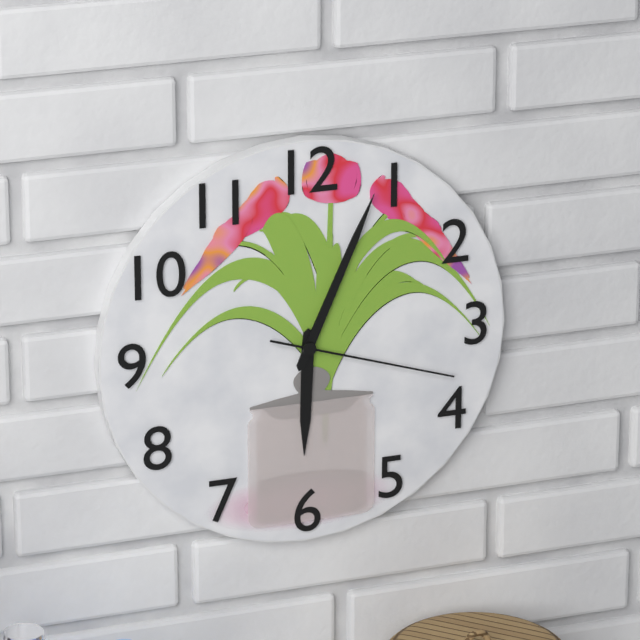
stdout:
6h04m18s
